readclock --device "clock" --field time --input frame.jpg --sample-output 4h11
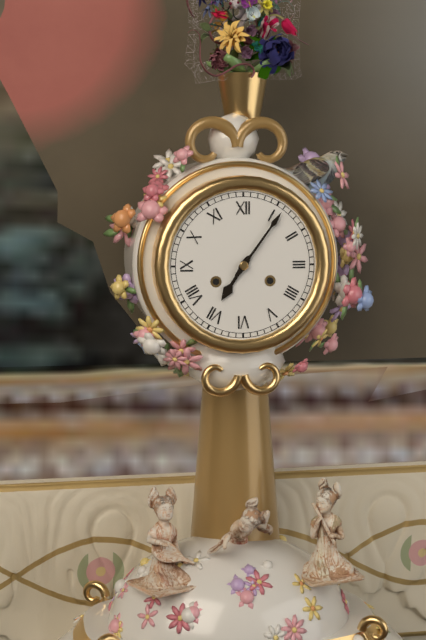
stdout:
7h06
